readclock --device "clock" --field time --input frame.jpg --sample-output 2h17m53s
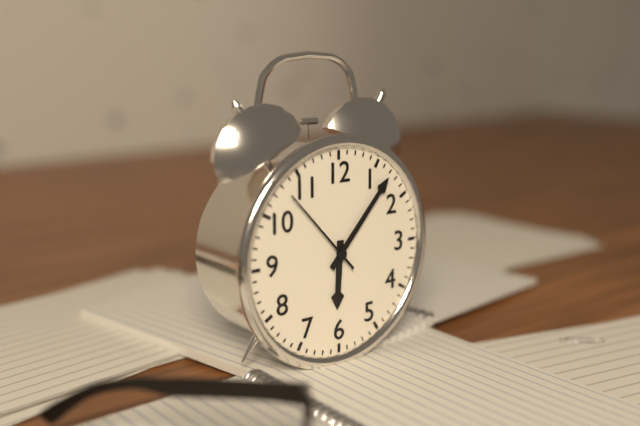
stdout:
6h07m53s
